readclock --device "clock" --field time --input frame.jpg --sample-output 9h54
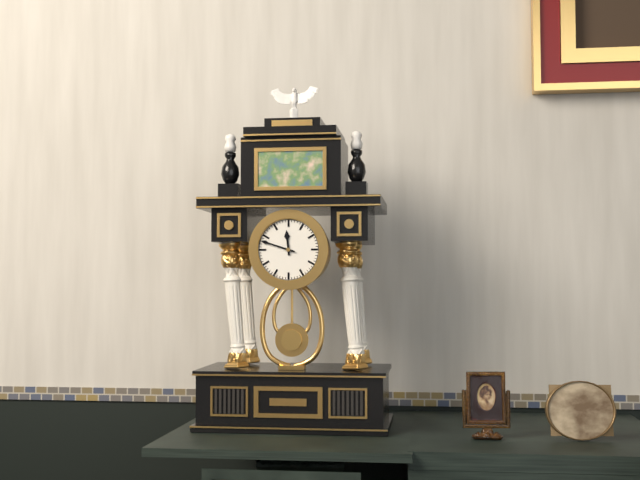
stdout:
11h48
